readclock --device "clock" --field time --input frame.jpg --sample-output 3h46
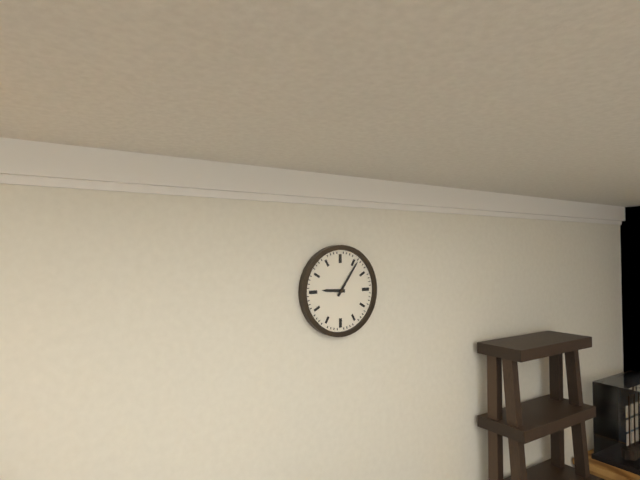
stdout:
9h06
